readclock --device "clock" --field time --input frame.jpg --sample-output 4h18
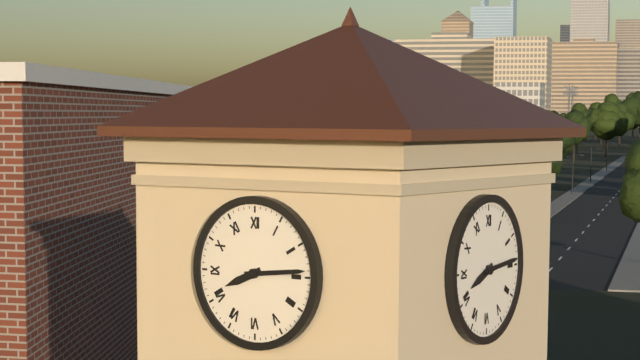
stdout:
8h14
